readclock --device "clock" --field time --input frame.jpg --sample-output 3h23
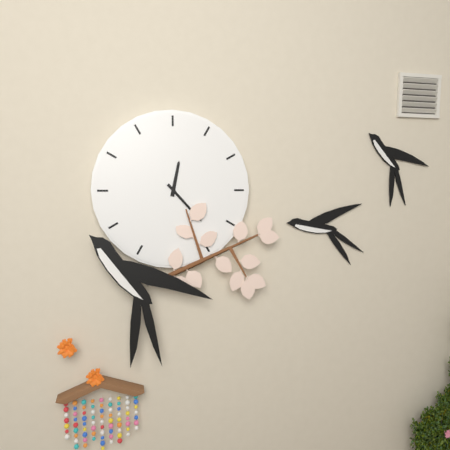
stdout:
12h23
